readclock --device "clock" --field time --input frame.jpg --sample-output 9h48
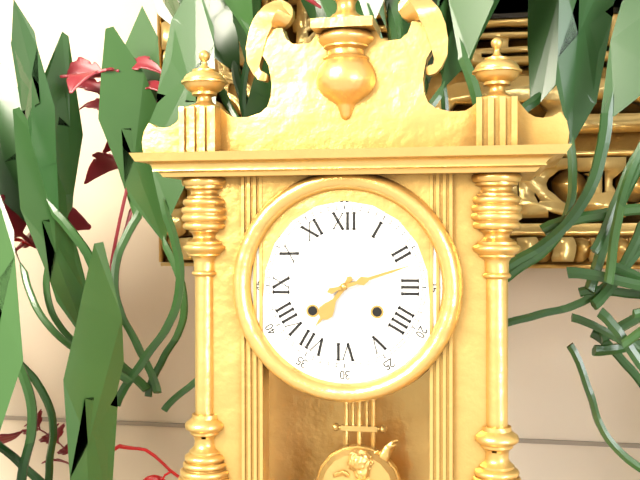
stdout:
7h12
